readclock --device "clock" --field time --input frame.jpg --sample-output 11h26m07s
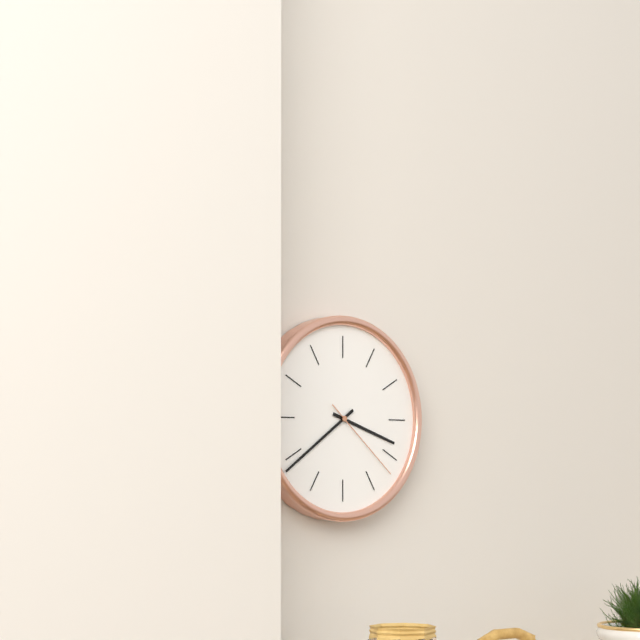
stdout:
3h39m22s
